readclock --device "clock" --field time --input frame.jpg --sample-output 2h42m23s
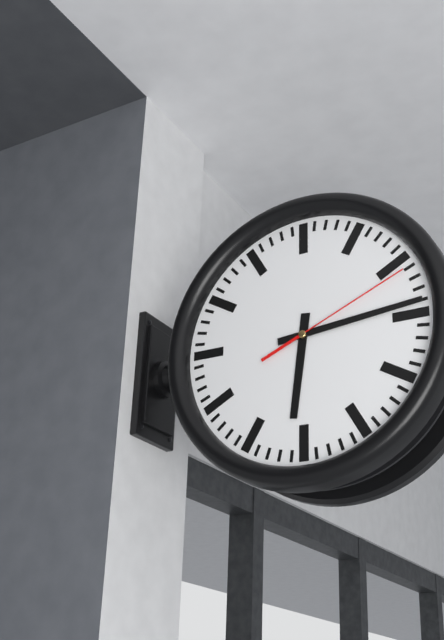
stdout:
6h14m11s
